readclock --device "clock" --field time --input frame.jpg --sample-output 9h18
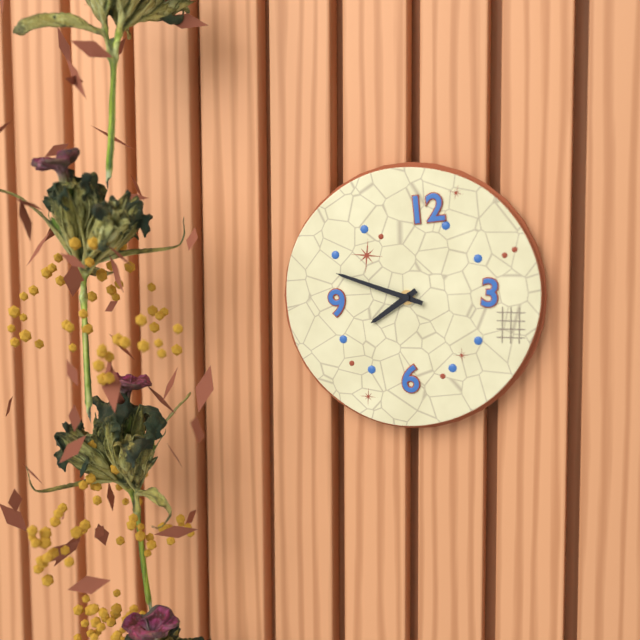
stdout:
7h48
